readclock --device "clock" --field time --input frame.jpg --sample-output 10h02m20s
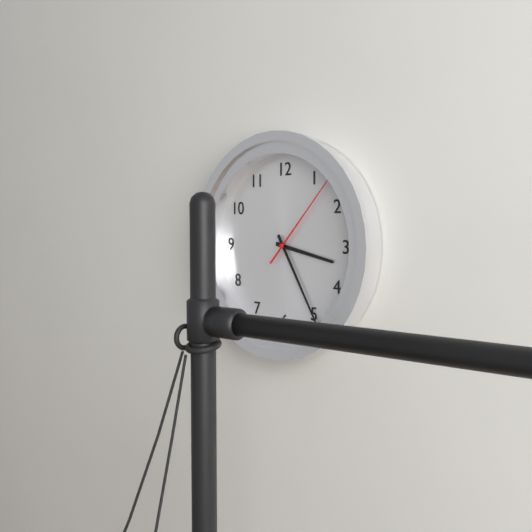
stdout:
3h25m07s
